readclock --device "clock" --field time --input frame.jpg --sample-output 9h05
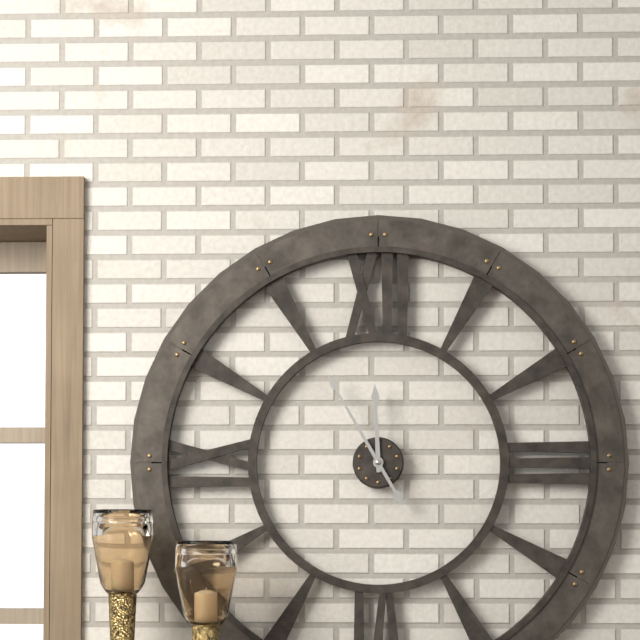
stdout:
11h55
